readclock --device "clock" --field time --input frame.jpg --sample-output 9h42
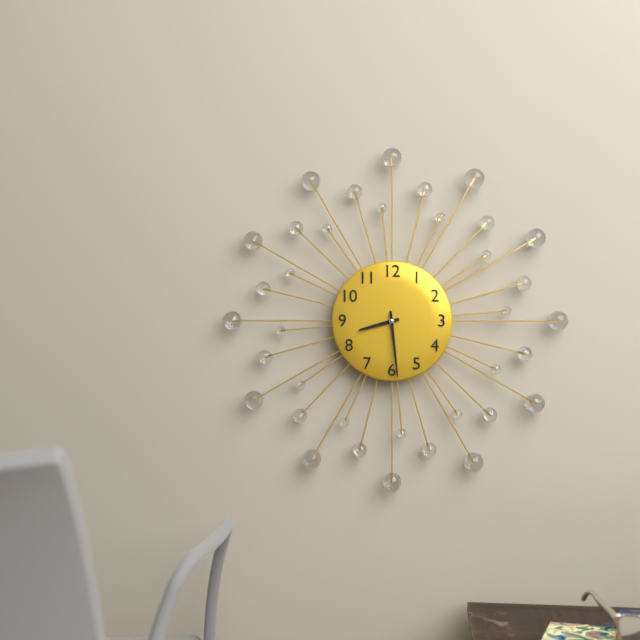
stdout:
8h29
